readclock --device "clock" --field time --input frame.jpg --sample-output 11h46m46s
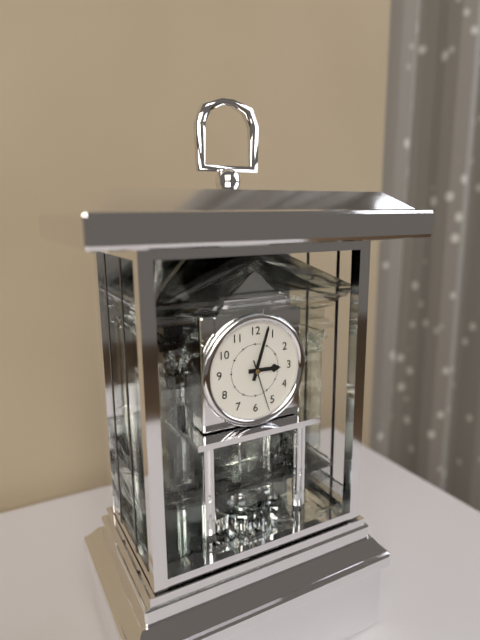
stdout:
3h03m27s
